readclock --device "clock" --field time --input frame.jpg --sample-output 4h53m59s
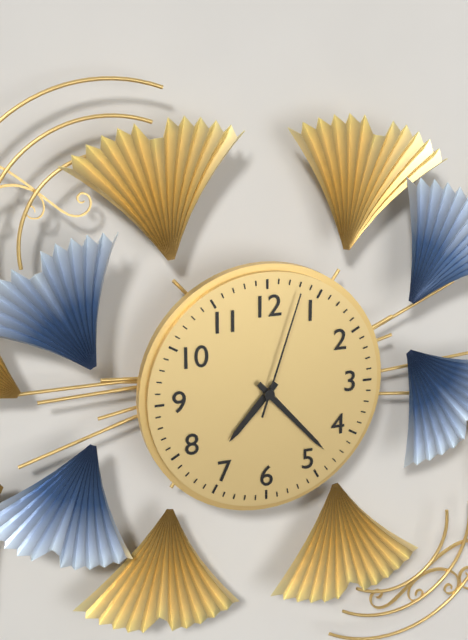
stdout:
7h23m03s
